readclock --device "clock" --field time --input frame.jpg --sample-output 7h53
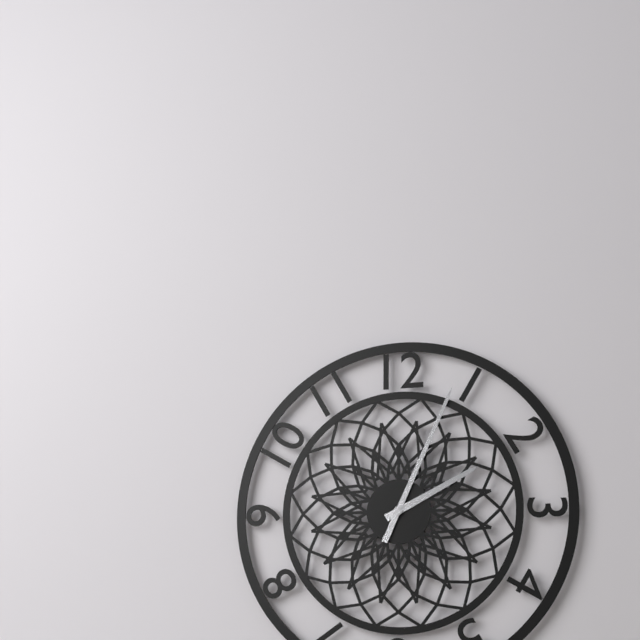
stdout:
2h04
